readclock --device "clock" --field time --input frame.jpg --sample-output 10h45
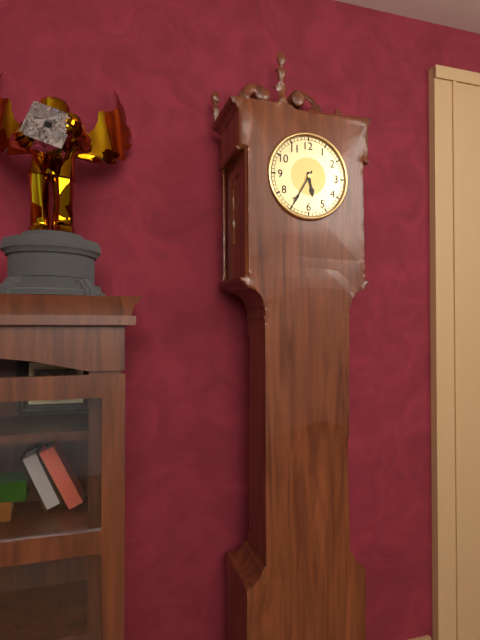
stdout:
5h35
